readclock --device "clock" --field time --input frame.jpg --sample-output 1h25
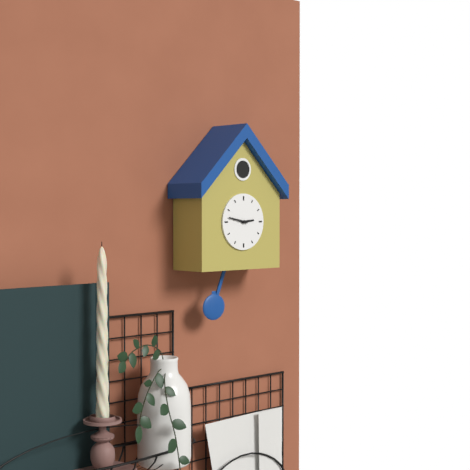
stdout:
2h47
